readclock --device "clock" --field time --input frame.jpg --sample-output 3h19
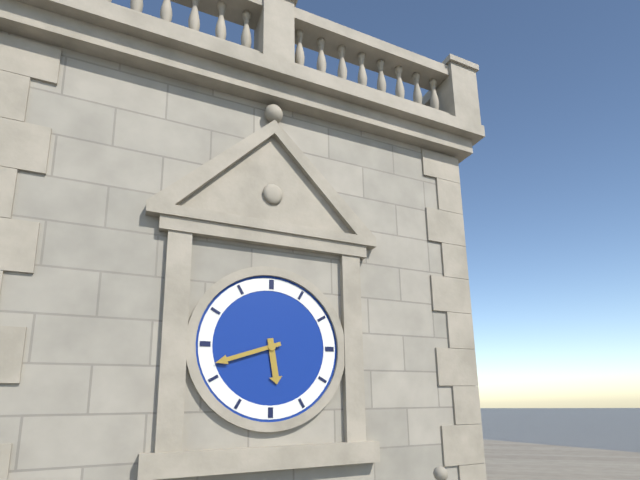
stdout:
5h42
